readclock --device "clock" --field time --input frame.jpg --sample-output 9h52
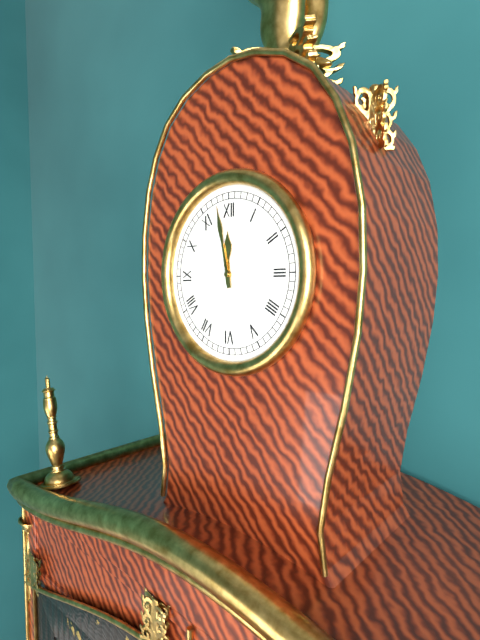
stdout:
11h58
